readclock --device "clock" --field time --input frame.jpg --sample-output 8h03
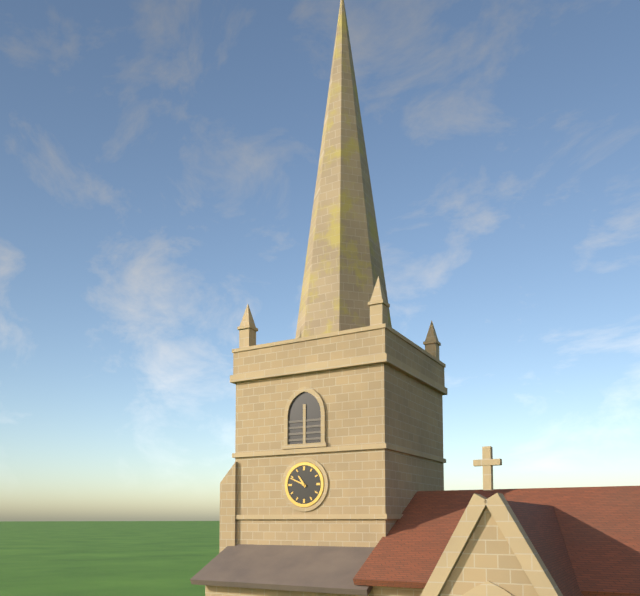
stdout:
10h49
